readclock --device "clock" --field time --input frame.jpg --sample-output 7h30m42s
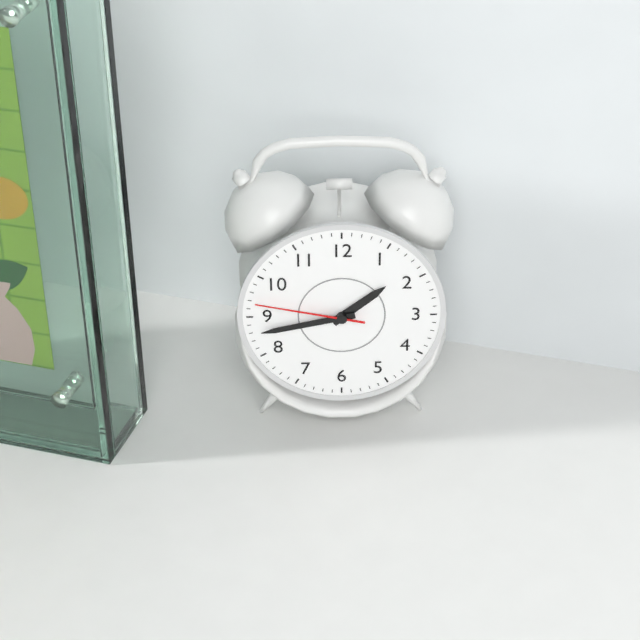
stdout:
1h43m47s
